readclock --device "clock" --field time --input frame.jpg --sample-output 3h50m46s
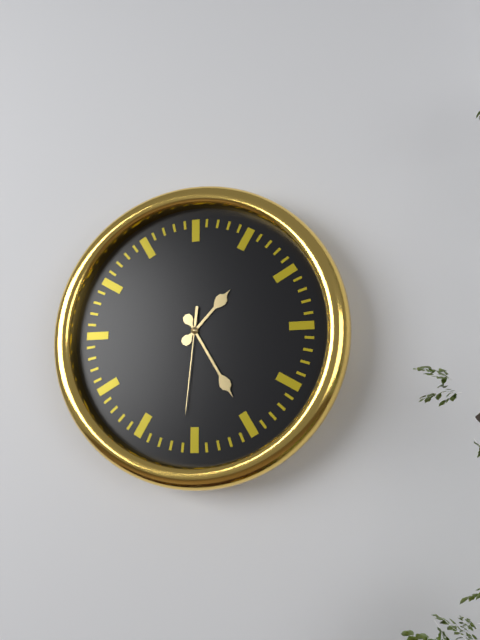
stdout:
1h25m31s
